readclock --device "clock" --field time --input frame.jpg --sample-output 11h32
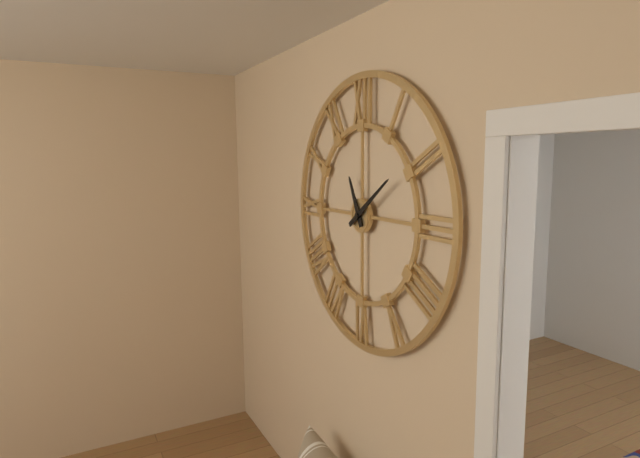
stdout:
11h09
